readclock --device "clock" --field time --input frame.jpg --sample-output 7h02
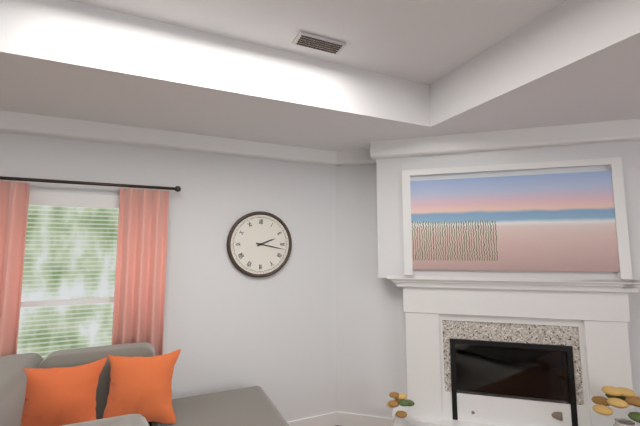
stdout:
2h17
